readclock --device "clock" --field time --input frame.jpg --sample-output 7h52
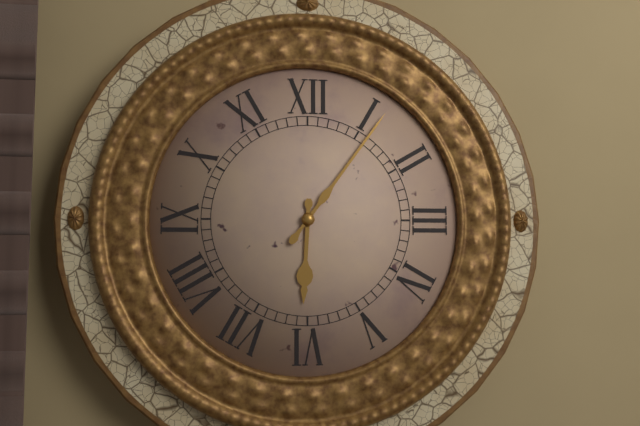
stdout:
6h06
